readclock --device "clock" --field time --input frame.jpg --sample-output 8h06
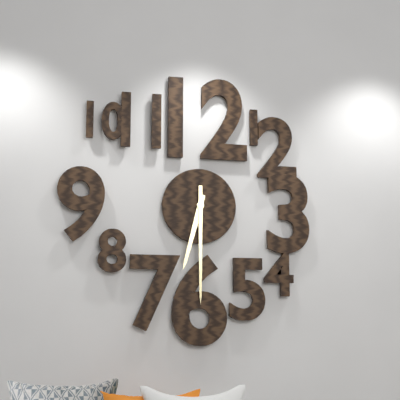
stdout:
6h30
